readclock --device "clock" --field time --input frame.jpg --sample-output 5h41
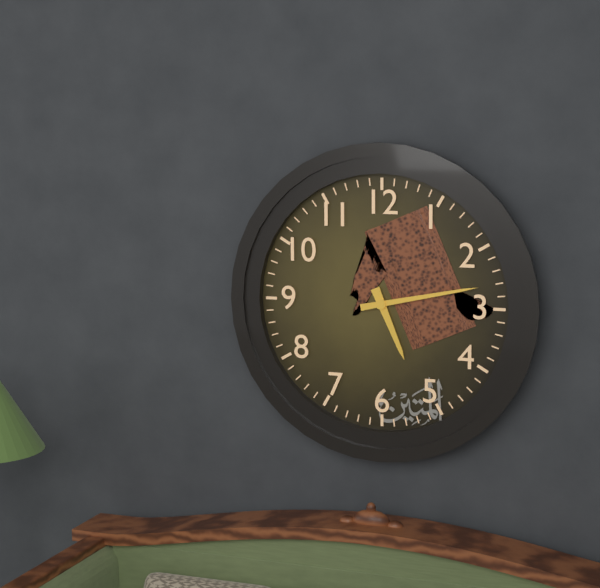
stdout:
5h13
